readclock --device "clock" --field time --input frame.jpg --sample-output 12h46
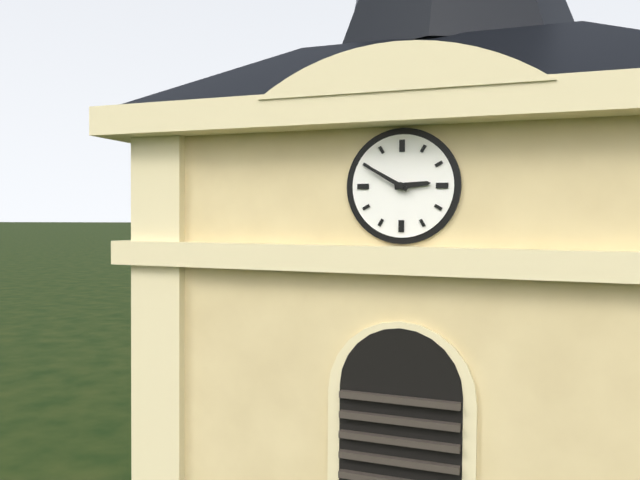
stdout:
2h50
